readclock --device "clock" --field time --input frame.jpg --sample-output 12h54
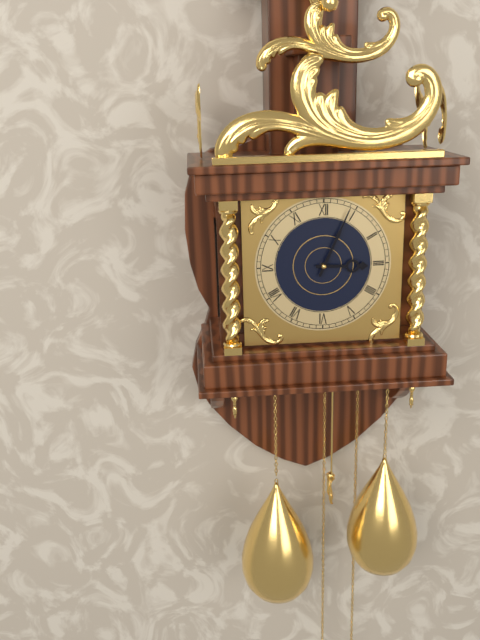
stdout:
3h04
